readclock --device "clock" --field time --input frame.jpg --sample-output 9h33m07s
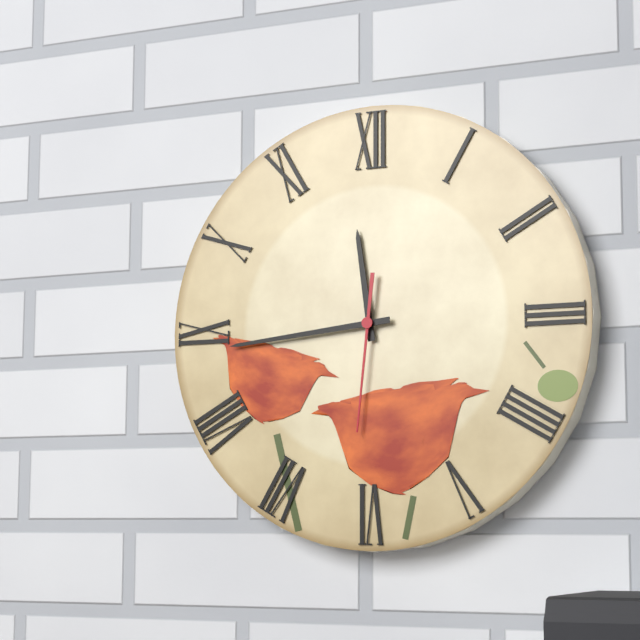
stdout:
11h44m31s
